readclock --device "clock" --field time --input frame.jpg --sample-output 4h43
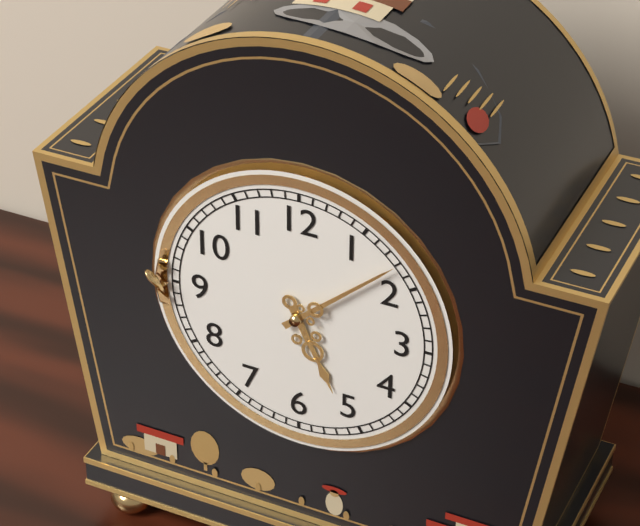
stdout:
5h08
